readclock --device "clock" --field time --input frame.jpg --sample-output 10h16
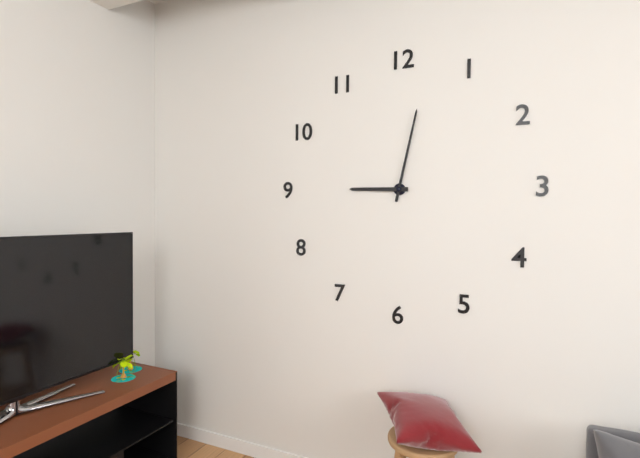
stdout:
9h02
